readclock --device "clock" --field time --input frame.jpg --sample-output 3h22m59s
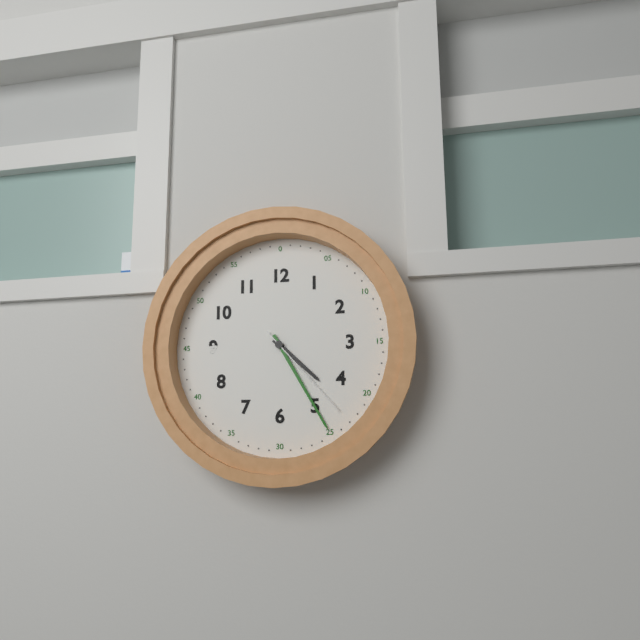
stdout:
4h25m23s
